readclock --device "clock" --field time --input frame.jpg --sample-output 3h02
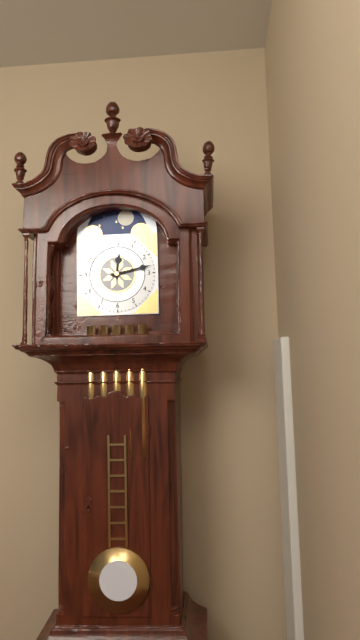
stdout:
12h13
